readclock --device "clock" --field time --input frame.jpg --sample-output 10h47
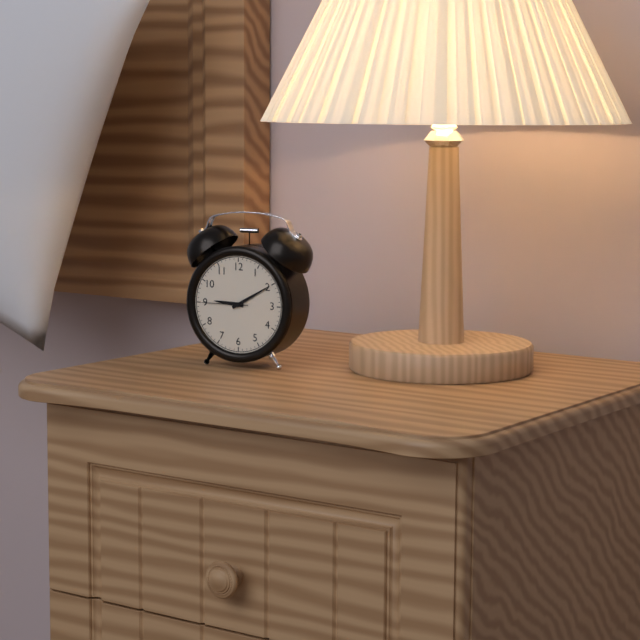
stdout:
9h10
